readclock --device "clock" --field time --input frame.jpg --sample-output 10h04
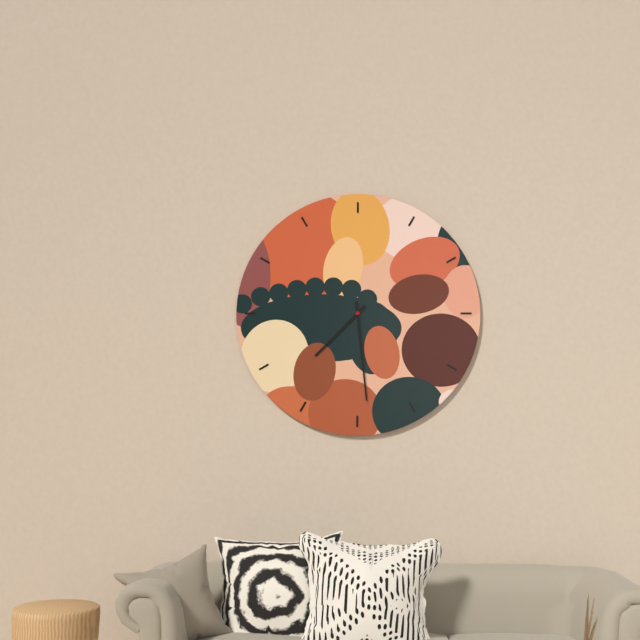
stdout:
7h29
